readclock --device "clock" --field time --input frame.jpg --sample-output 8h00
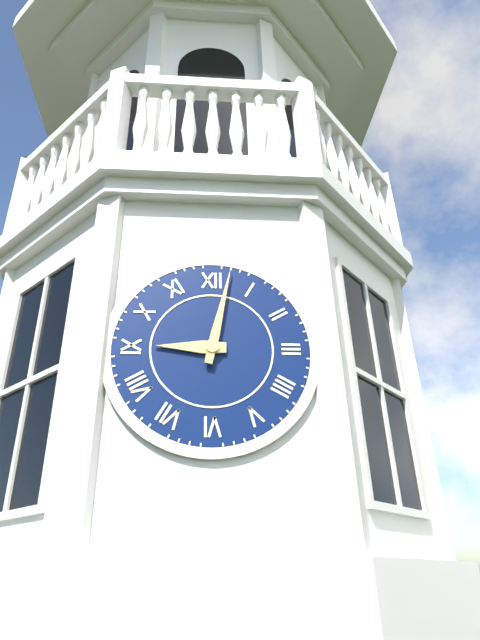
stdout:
9h02
